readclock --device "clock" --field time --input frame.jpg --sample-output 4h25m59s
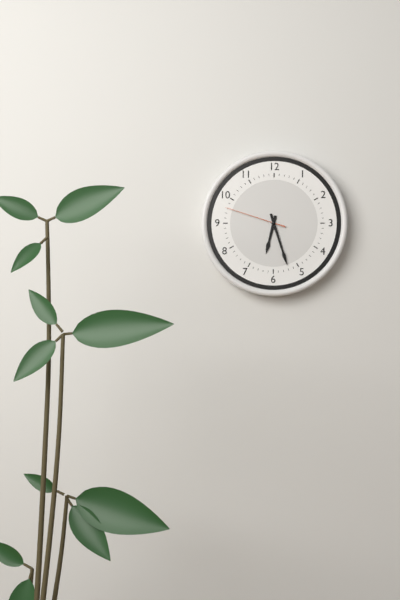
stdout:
6h27m48s
